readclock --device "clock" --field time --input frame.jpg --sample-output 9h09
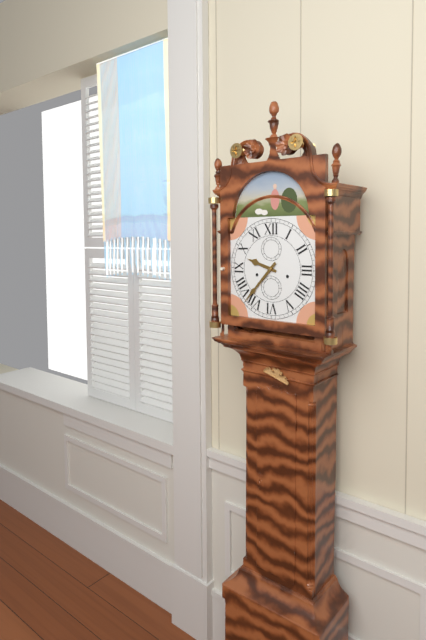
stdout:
9h37
